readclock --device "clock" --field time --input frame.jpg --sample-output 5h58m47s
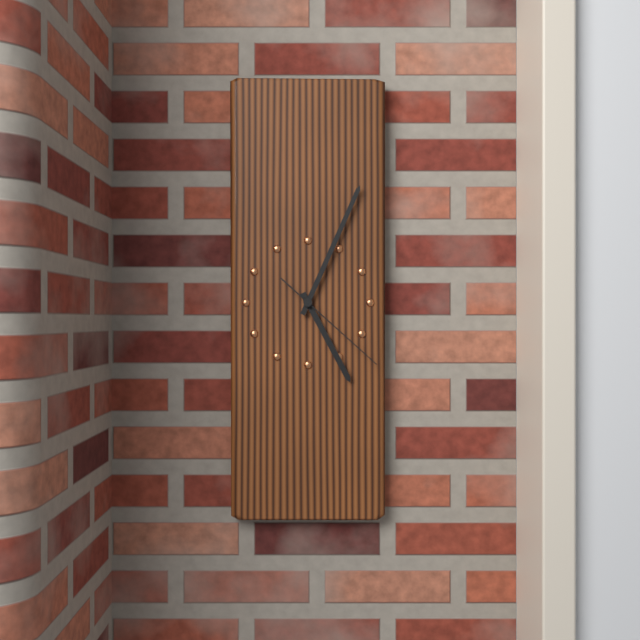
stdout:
5h04m22s
